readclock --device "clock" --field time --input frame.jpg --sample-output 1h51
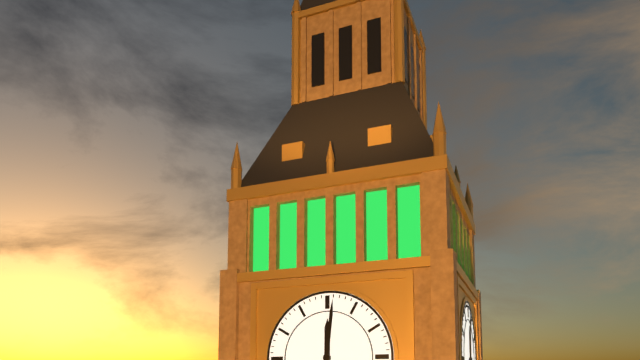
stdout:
12h01
